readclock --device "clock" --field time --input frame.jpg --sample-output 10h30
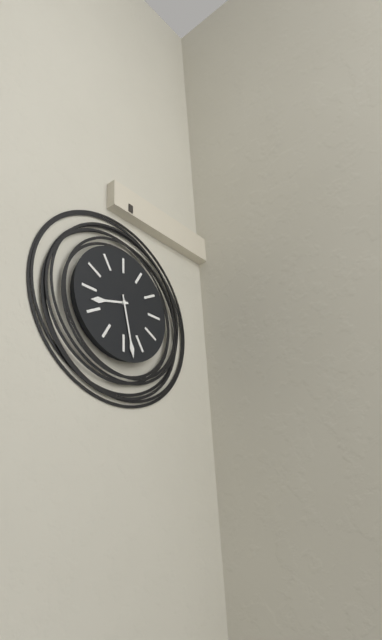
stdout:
8h28
